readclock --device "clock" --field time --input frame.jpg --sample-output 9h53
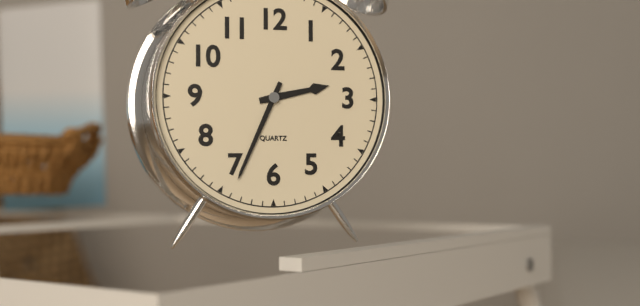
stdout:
2h34
